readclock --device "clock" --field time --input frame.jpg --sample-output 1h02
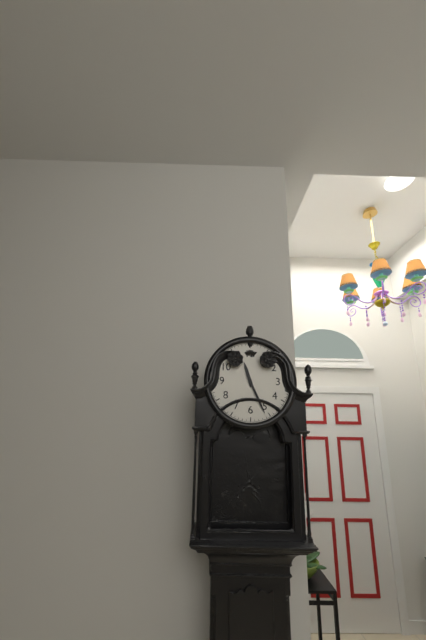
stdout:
11h26
